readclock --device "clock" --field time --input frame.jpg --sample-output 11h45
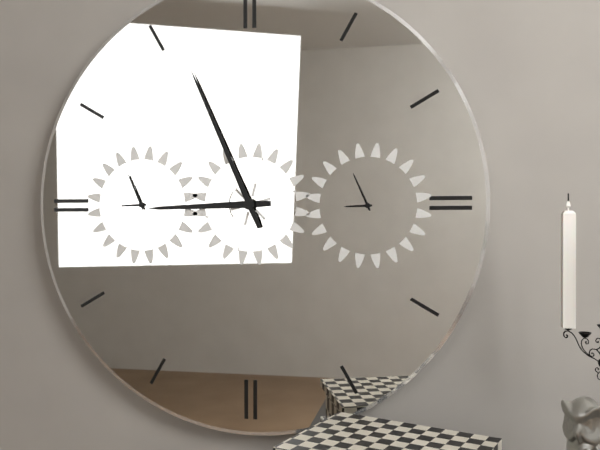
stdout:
8h56
